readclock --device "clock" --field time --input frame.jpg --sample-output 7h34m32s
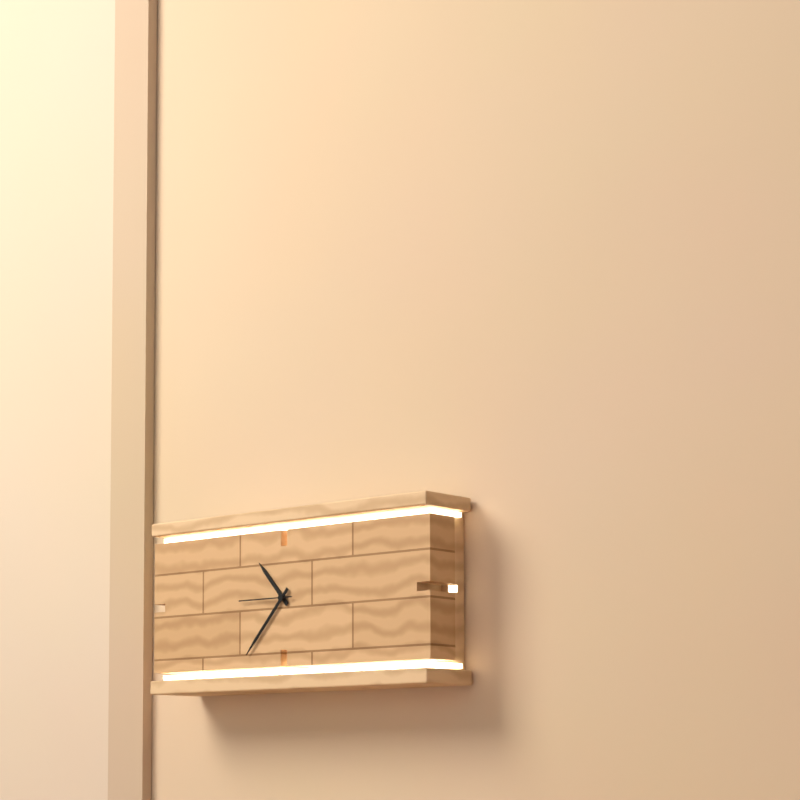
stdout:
10h37m45s
